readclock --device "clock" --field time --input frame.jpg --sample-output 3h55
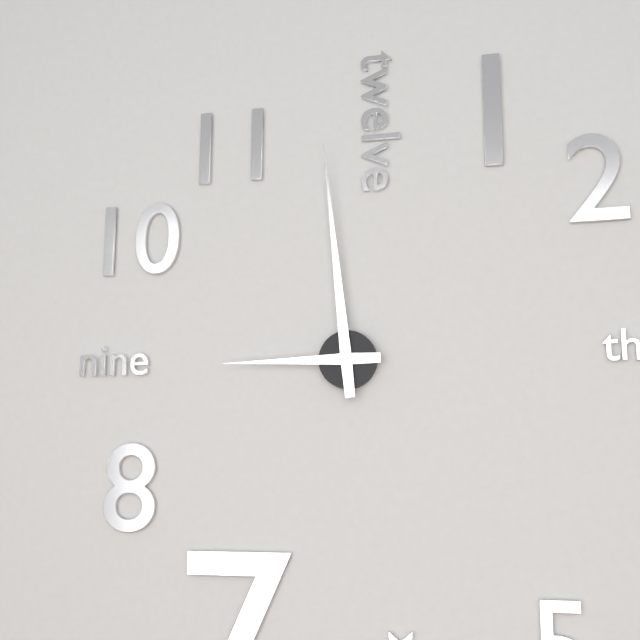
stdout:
8h59
